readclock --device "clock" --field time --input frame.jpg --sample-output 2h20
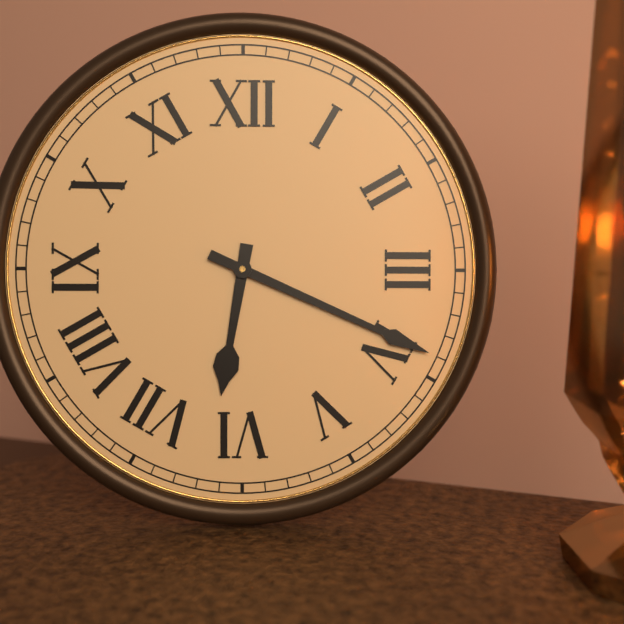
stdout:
6h19
